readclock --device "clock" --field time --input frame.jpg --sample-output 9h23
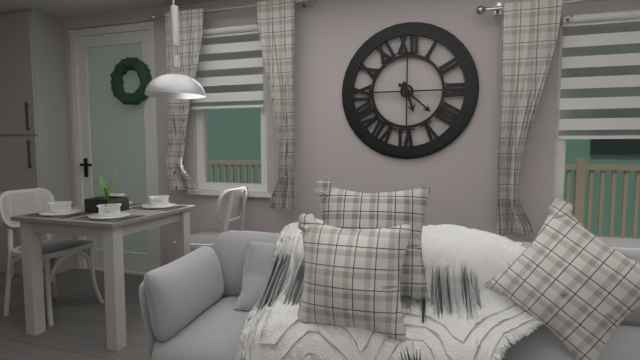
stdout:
5h22
